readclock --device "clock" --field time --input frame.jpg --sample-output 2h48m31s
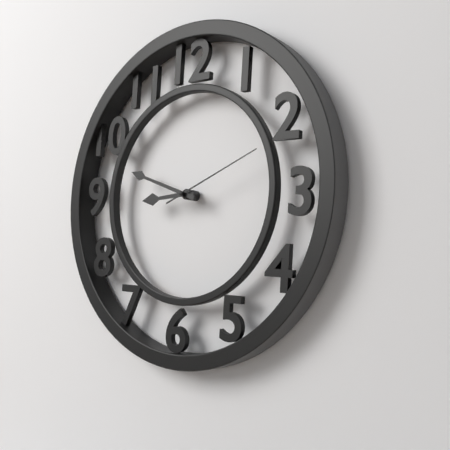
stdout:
8h48m11s
